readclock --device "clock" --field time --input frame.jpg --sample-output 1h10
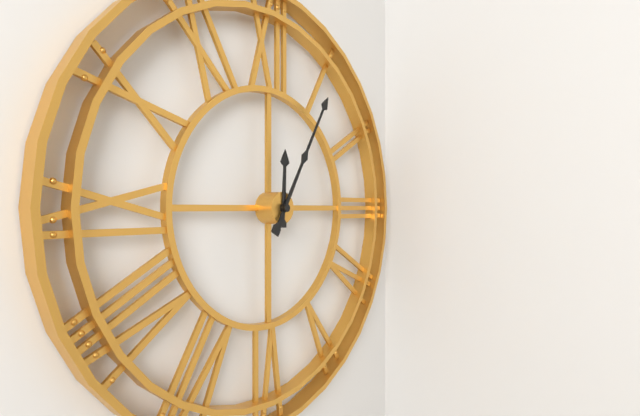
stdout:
12h05
